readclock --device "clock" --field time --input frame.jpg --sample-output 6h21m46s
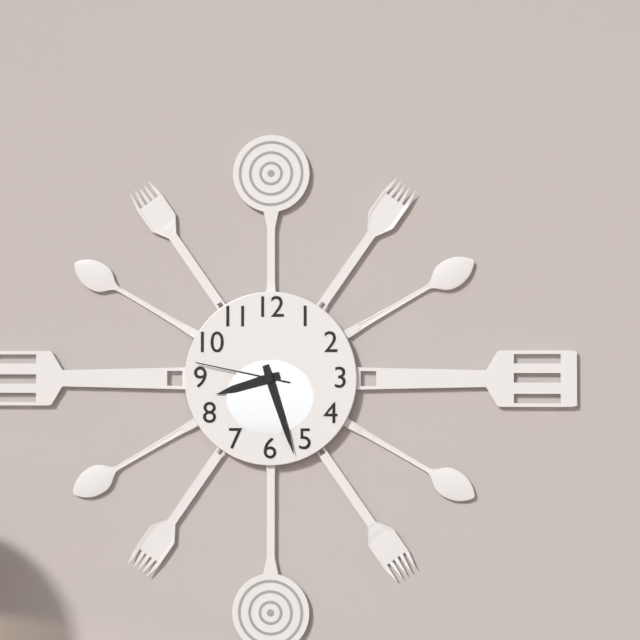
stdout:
8h27m47s
